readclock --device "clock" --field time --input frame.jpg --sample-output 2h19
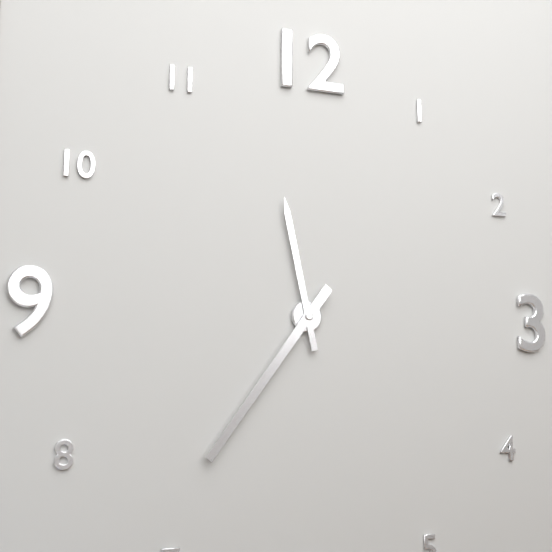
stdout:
11h36
